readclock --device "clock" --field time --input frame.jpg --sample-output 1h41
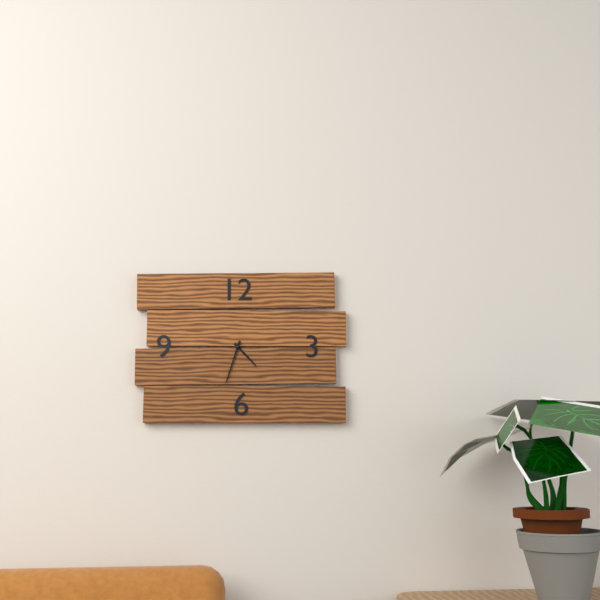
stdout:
4h33
